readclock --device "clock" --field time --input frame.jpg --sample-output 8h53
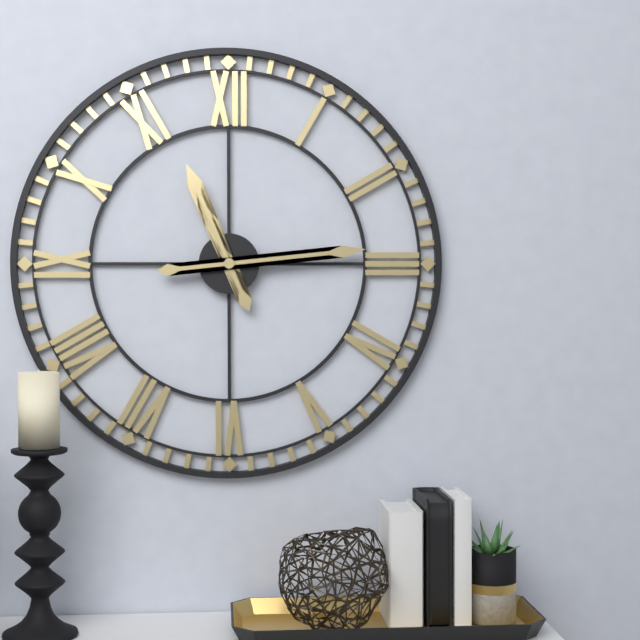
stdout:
11h14
